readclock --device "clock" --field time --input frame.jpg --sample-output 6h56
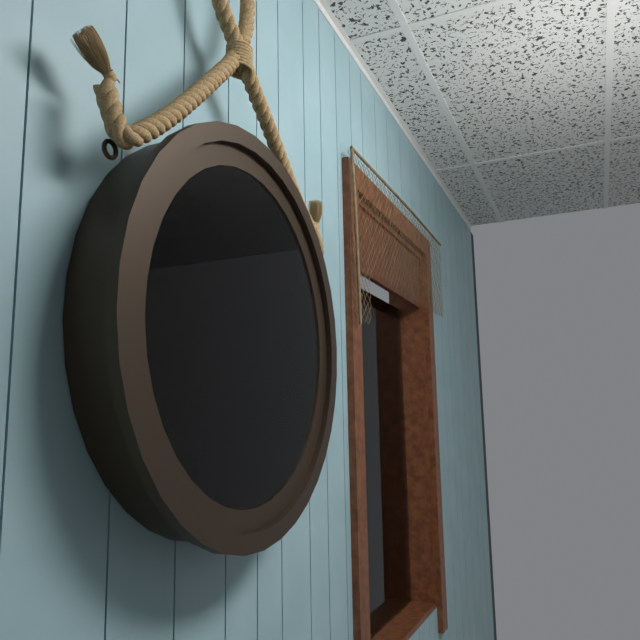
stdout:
10h19
